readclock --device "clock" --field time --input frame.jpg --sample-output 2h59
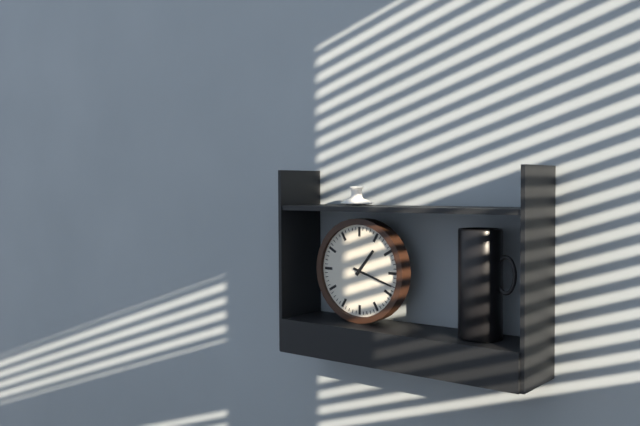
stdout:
1h18
